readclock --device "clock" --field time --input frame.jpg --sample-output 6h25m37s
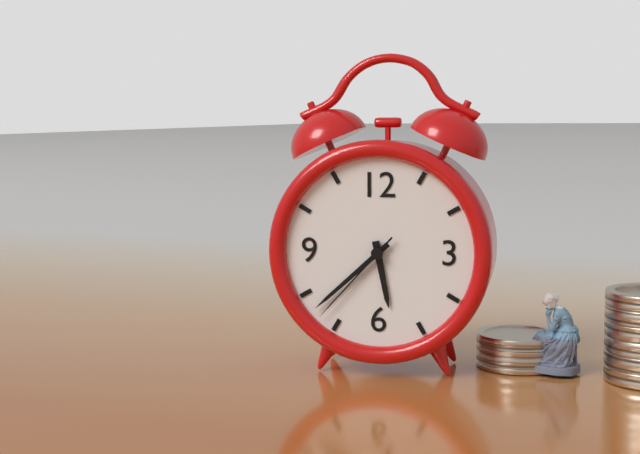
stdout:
5h38m37s
